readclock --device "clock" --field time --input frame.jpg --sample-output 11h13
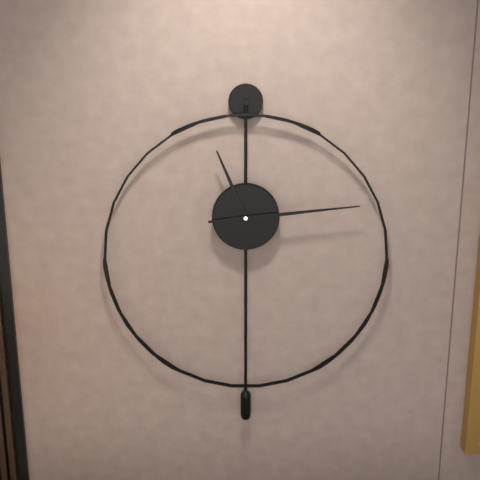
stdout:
11h14
